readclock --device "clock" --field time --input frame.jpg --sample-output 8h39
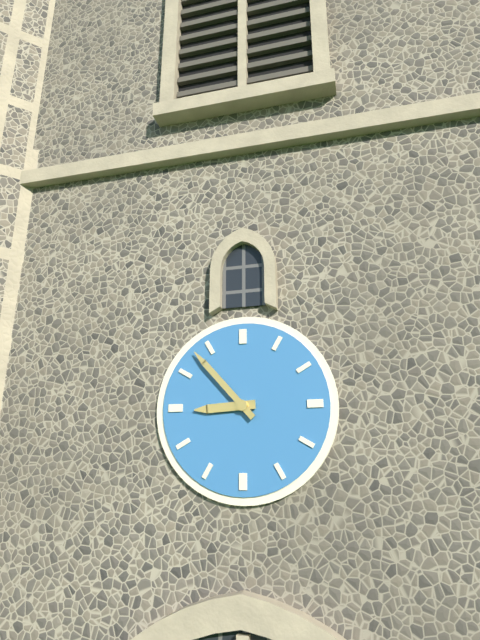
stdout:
8h53
